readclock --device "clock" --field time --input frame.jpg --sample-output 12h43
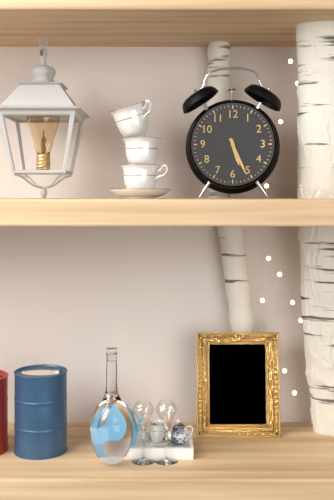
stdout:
5h26
